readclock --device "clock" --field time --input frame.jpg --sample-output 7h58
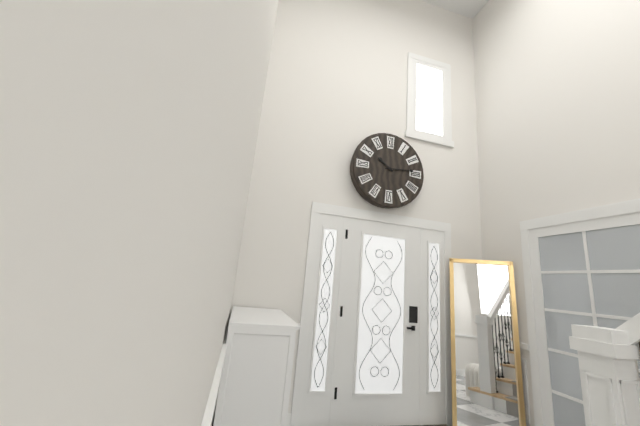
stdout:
10h14
